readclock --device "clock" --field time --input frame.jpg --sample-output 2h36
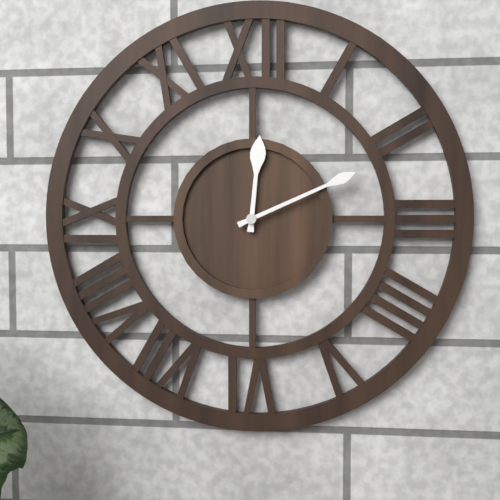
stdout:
12h11
